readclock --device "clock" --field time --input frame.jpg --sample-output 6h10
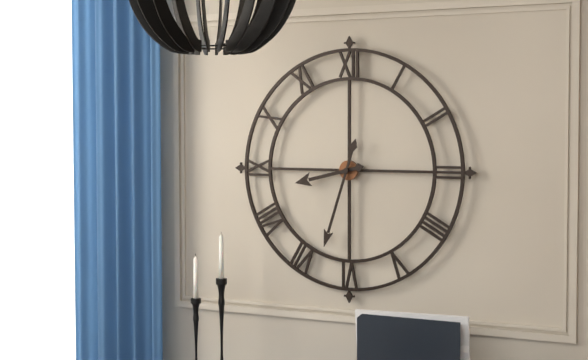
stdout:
8h33
